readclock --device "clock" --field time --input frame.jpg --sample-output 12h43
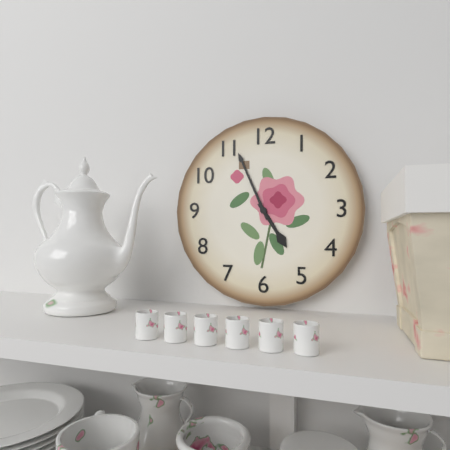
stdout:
4h56
